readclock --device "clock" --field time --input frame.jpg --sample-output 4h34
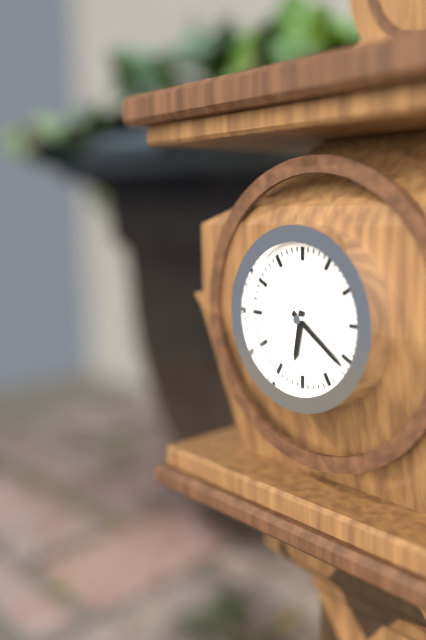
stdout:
6h21
